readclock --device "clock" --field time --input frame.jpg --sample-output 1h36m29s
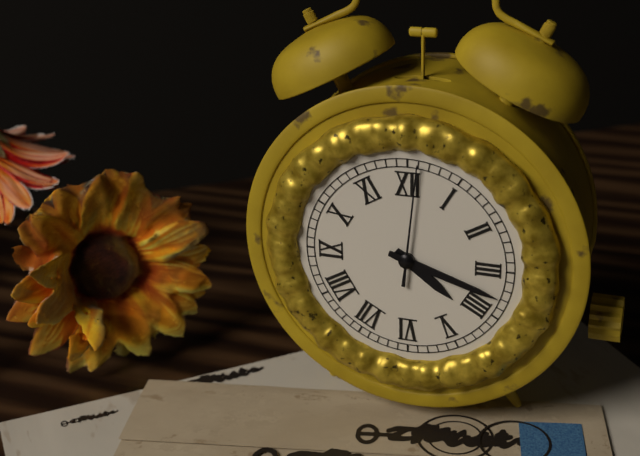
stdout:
4h18m01s
